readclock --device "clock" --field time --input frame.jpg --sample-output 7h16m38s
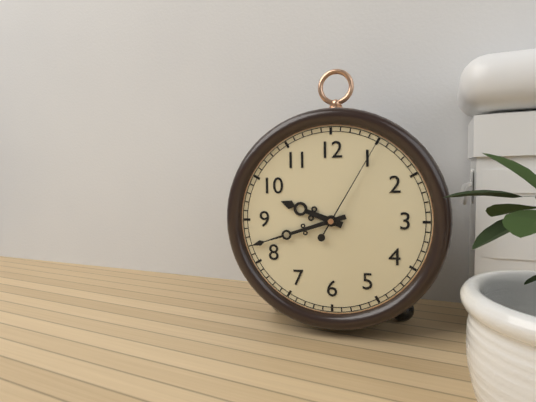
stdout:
9h42m05s
